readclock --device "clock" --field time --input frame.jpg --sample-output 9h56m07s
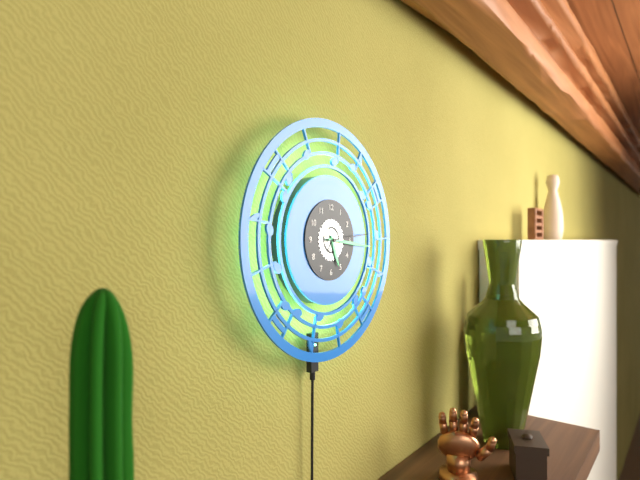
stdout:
5h16m14s
